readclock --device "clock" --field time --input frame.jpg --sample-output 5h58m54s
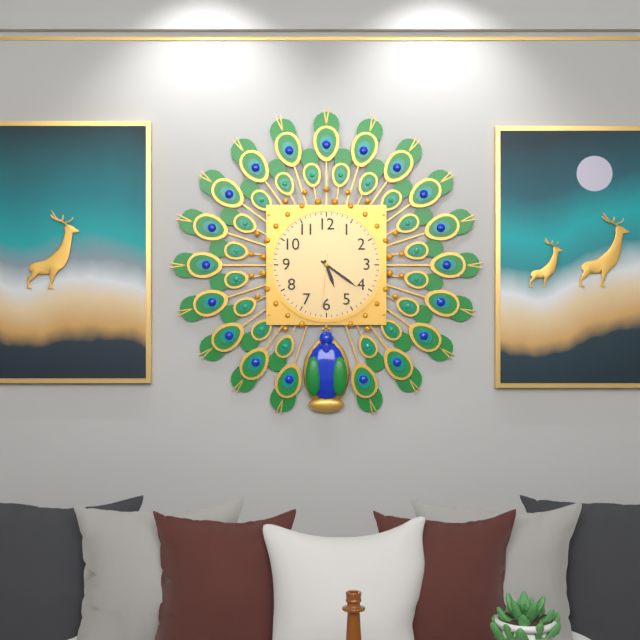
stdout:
5h21m31s
